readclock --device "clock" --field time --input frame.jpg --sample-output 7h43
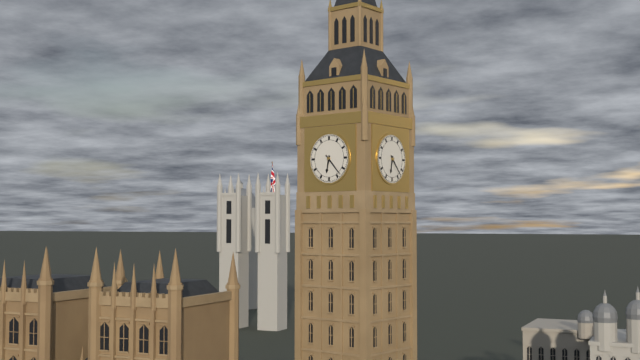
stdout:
6h23
